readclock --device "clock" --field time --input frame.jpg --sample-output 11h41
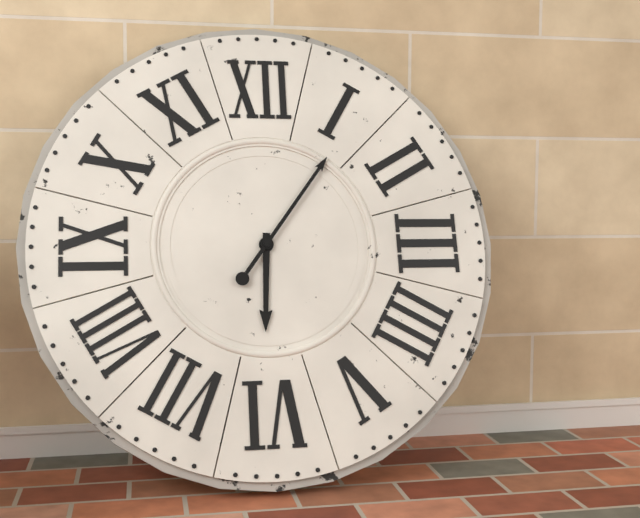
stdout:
6h06
